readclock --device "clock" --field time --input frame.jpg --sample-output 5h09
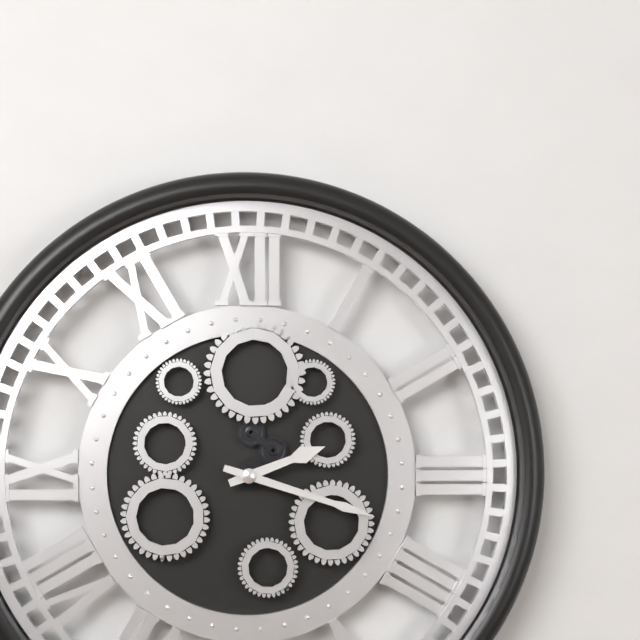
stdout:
2h18
